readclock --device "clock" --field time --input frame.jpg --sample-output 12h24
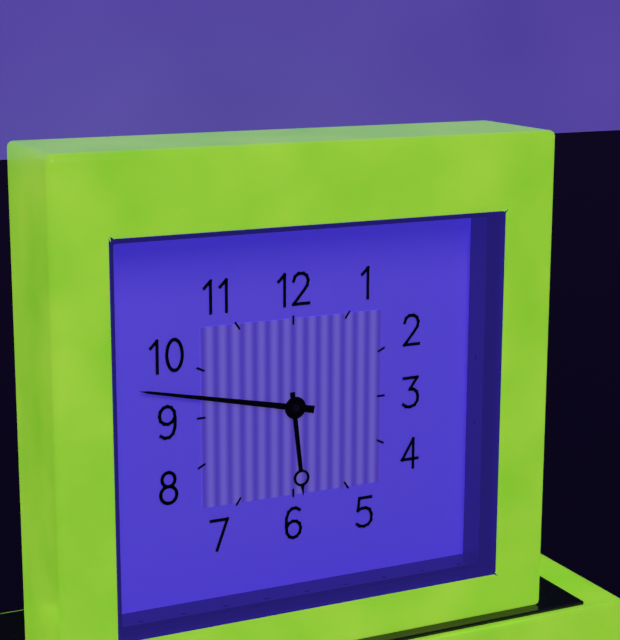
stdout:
5h47
